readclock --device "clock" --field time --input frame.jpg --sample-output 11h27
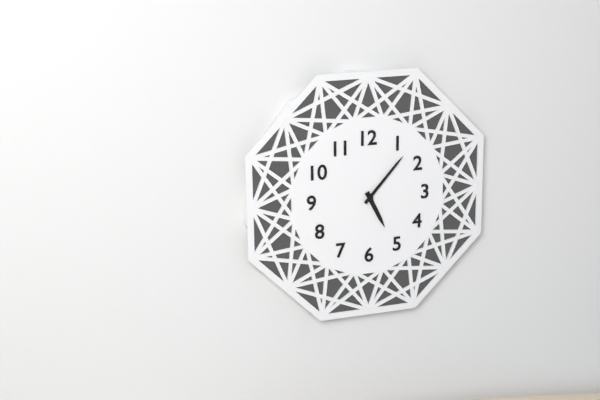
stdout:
5h07
